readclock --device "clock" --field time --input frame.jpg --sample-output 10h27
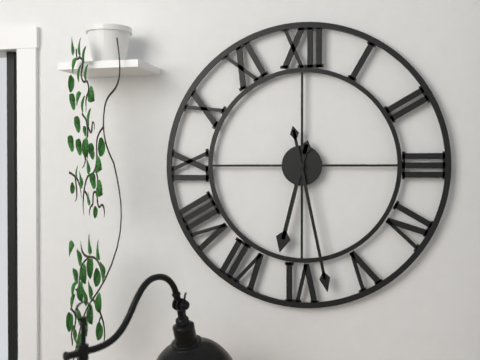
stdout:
6h28
